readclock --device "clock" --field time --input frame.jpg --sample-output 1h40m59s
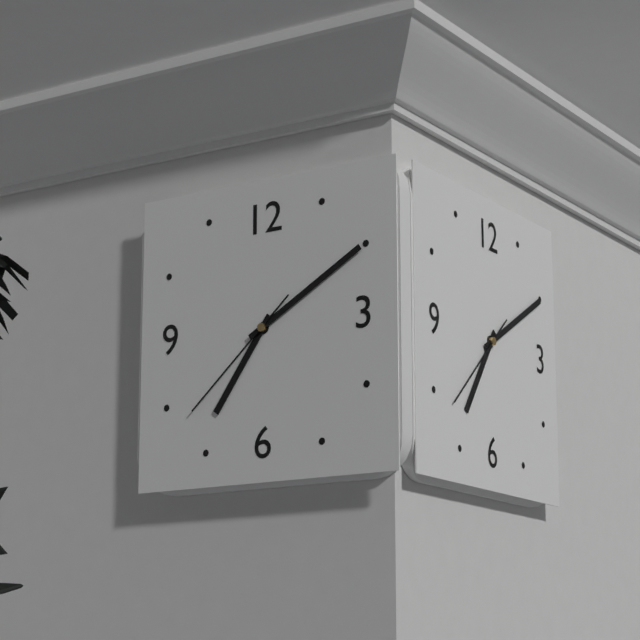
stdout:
7h10m38s
